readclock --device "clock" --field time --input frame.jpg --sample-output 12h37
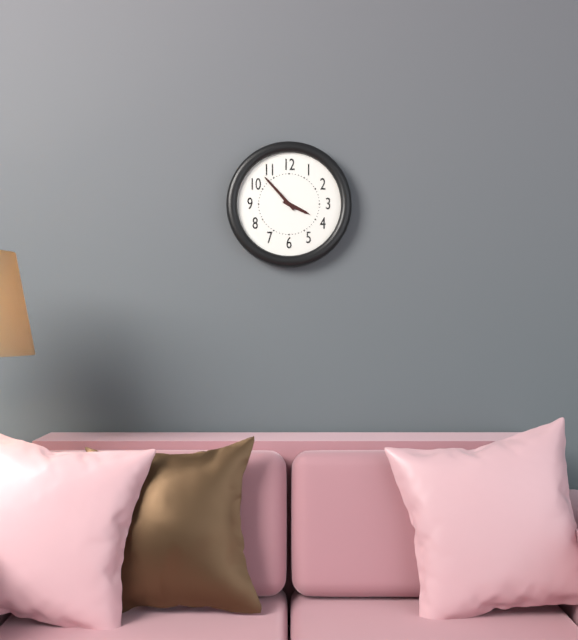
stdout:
3h53
